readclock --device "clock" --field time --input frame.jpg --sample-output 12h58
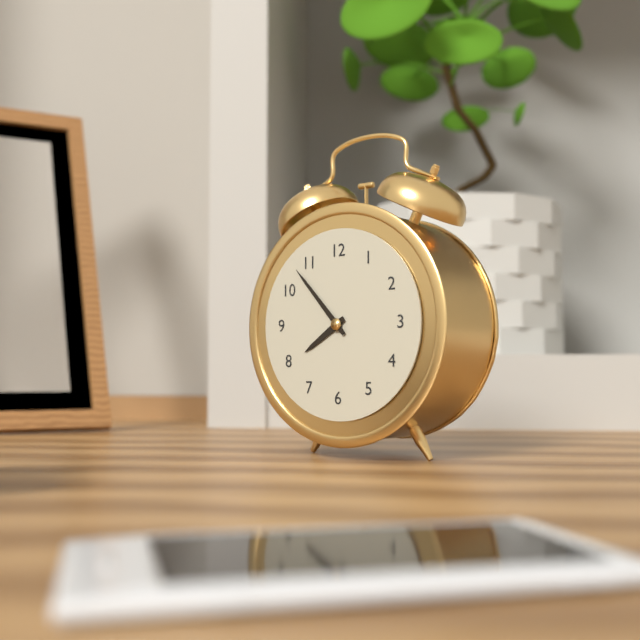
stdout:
7h53
